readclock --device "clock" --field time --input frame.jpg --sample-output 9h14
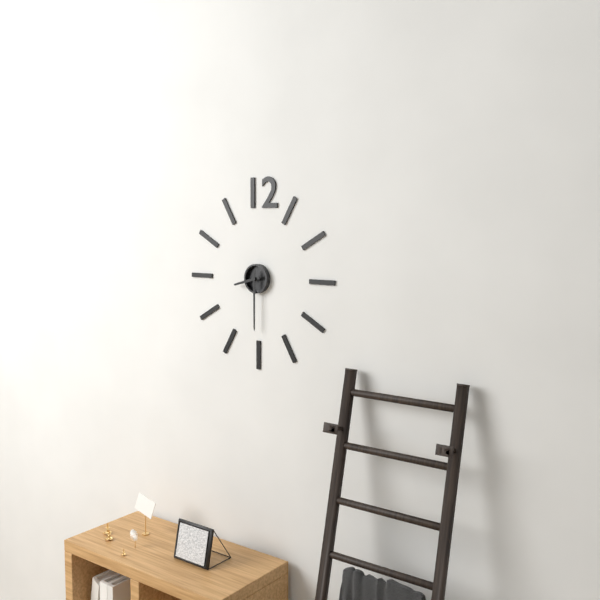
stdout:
8h30
